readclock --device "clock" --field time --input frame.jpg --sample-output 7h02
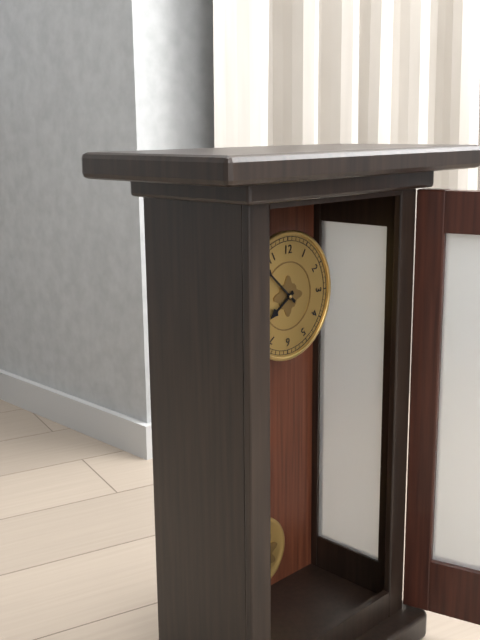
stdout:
7h52
